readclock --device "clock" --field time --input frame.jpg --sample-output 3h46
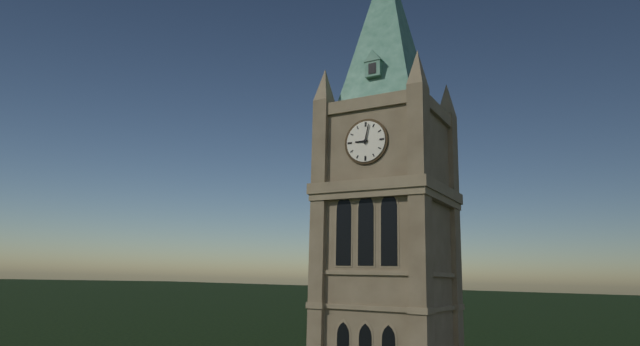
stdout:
9h02
